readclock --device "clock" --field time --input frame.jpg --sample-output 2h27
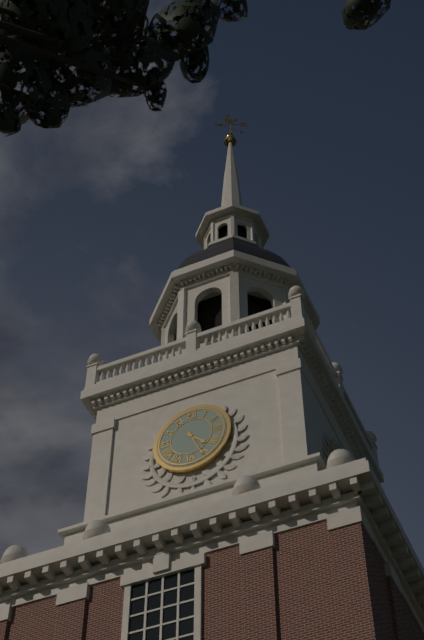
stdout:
4h26
